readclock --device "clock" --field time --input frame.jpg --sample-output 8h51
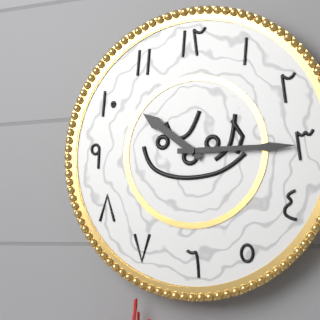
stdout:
10h15
